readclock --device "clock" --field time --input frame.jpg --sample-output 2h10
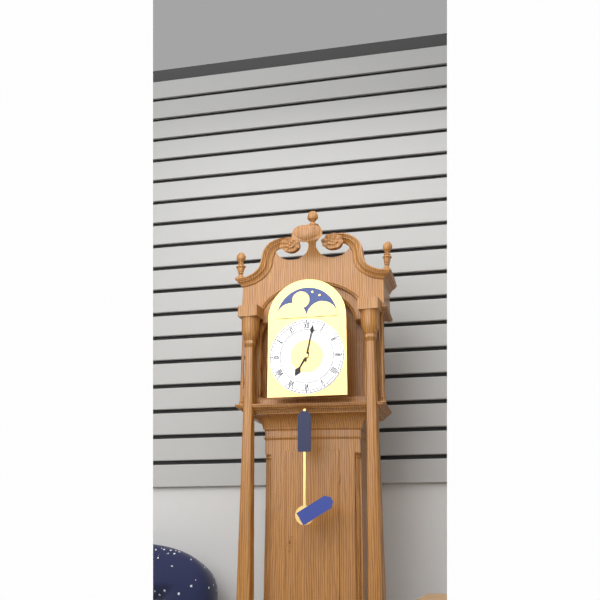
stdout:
7h02
